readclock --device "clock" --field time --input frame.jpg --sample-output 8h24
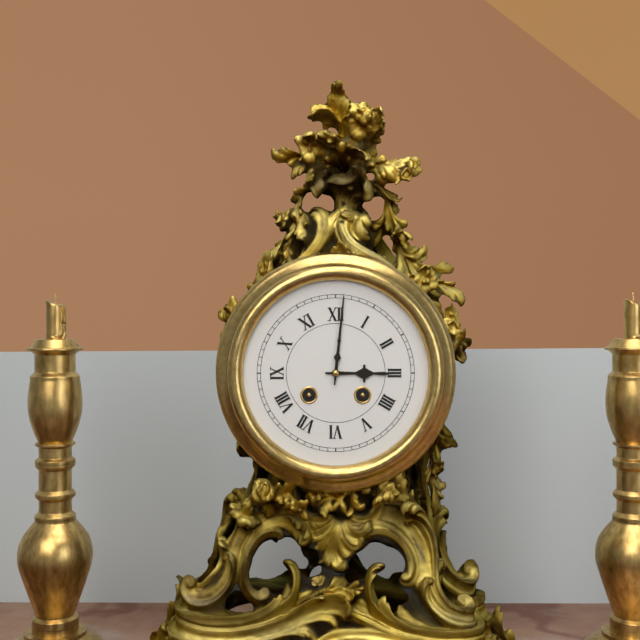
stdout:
3h01
